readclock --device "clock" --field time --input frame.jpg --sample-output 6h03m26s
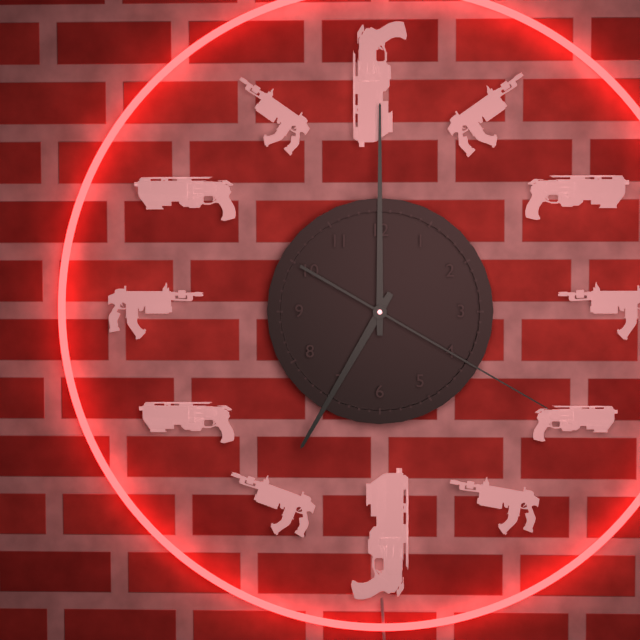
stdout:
7h00m20s
